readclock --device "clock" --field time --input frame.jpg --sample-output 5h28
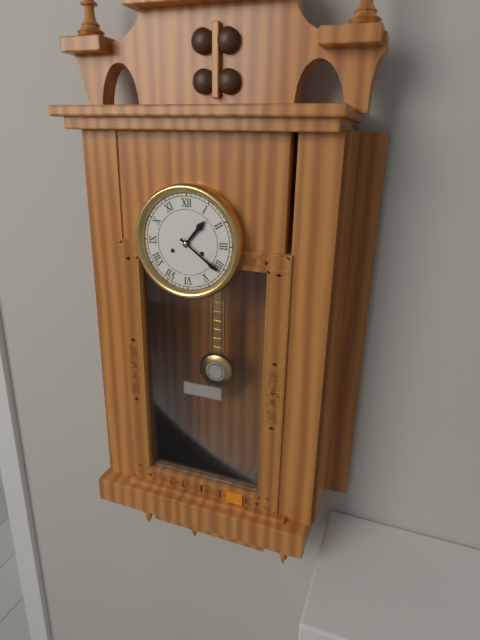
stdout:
1h21
